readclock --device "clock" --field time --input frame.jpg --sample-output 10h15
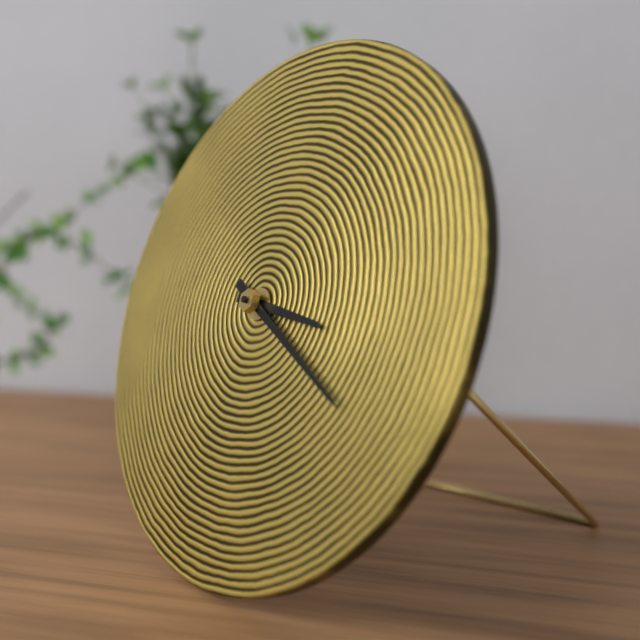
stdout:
3h20
